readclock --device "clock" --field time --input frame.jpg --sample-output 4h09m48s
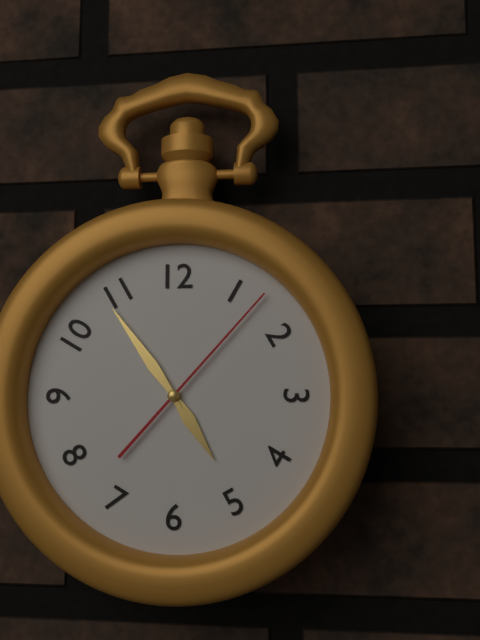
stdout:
4h54m07s
